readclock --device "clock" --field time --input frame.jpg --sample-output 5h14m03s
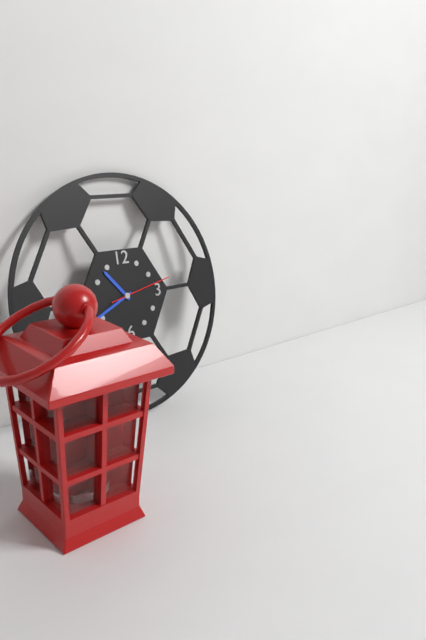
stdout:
10h41m13s
